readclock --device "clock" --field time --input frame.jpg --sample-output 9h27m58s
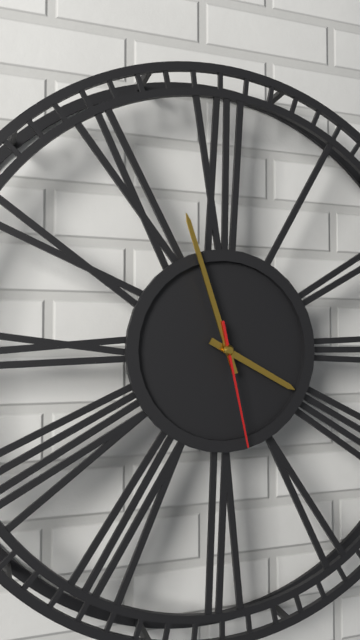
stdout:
3h57m28s
